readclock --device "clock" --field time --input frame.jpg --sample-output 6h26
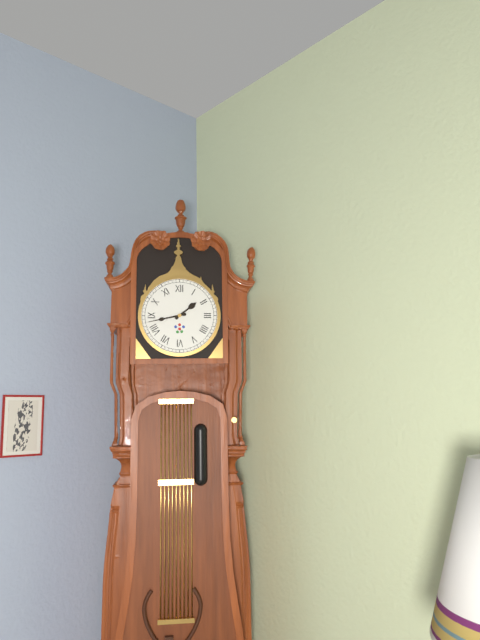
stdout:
1h43
